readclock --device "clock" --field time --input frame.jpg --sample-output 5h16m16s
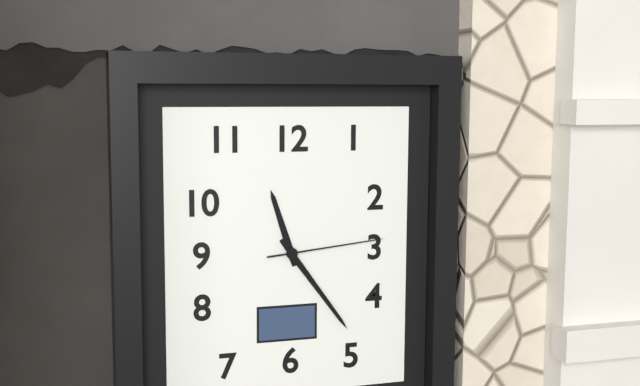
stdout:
11h24m14s
